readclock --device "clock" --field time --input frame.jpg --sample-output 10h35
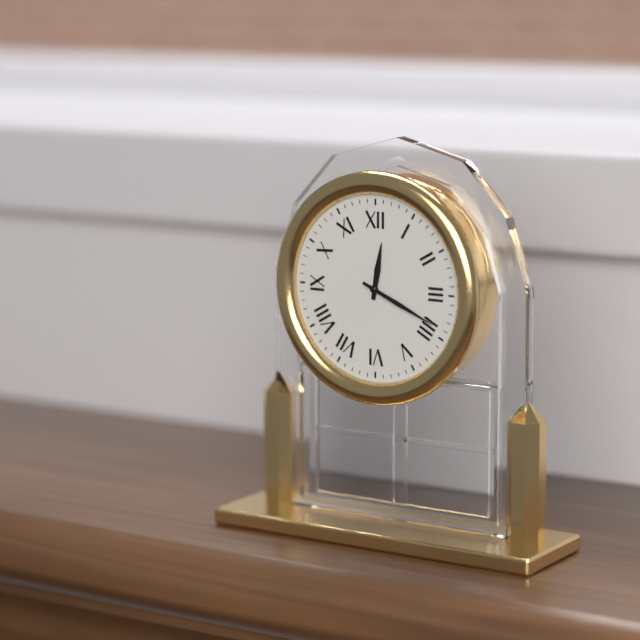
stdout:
12h19
